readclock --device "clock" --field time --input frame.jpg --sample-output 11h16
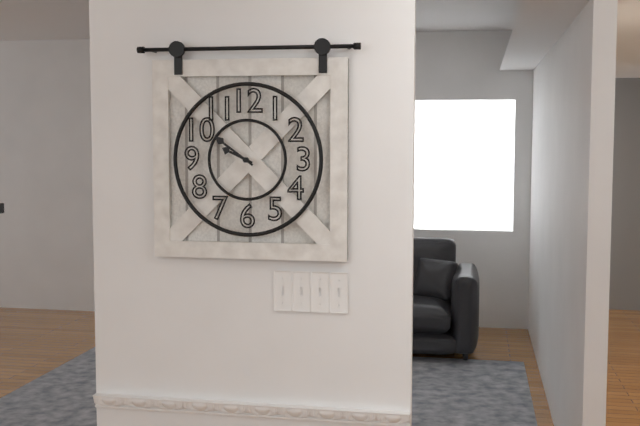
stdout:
9h51
